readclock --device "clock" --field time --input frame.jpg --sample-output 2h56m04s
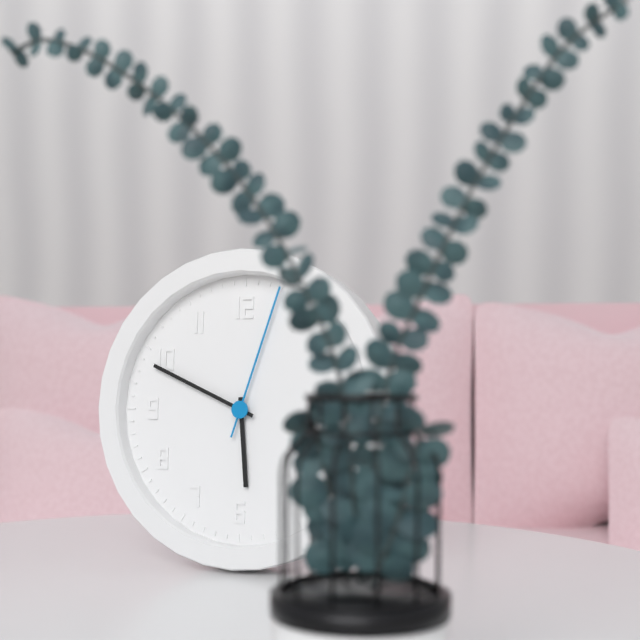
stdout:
5h49m03s
